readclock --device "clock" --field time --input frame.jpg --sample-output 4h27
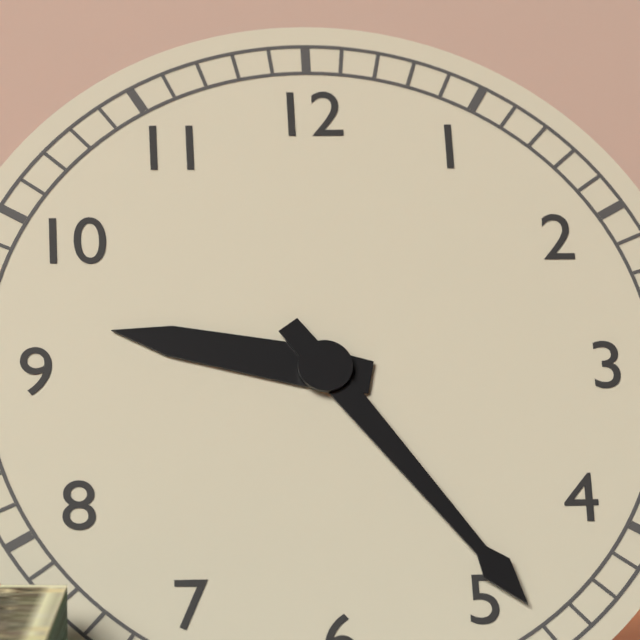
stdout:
9h24
